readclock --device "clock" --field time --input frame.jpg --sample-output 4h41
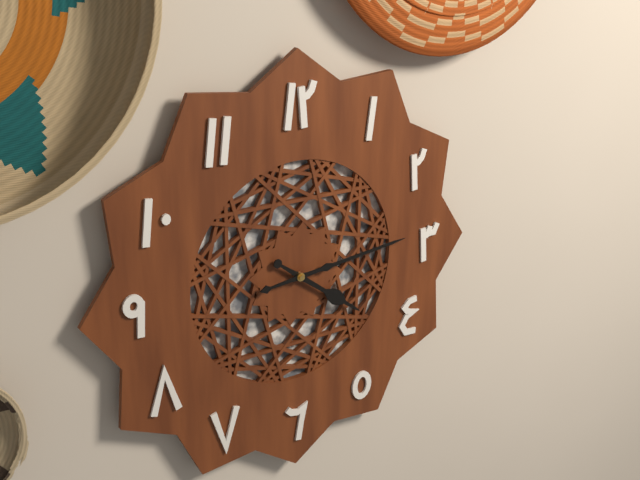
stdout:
4h14
